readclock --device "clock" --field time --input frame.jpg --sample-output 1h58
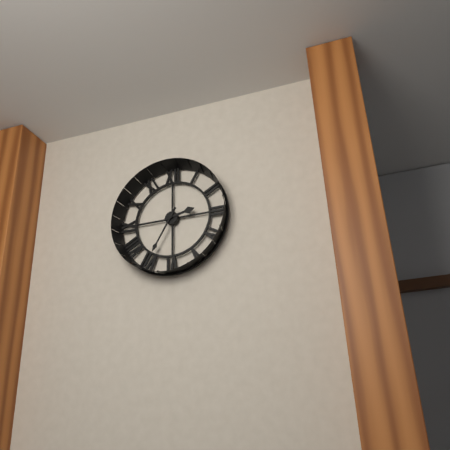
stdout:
2h35
